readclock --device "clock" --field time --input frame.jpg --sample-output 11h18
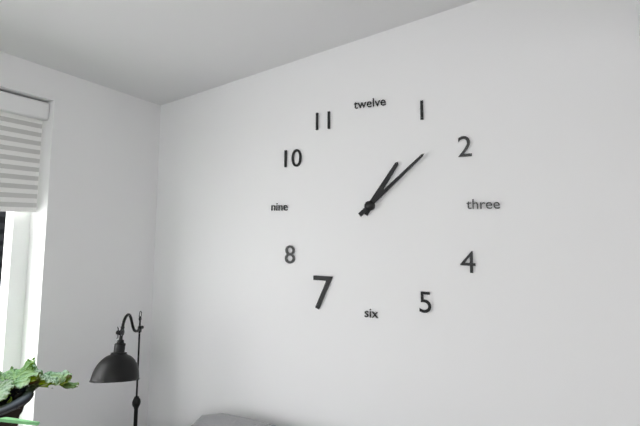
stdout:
1h08
